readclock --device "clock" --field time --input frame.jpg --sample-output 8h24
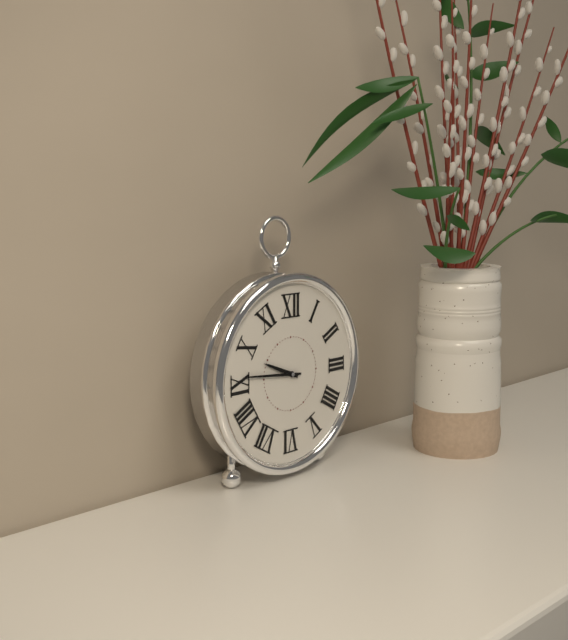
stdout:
9h46
